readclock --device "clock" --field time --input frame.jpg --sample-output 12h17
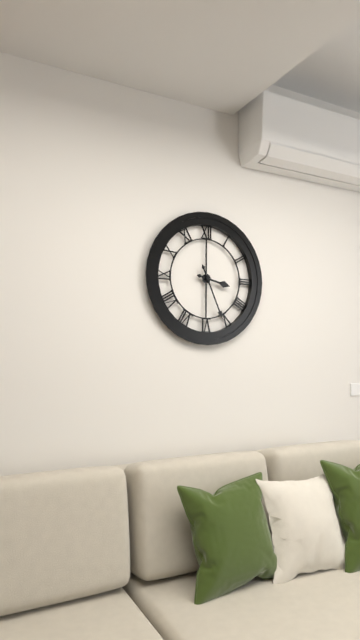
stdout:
3h26
